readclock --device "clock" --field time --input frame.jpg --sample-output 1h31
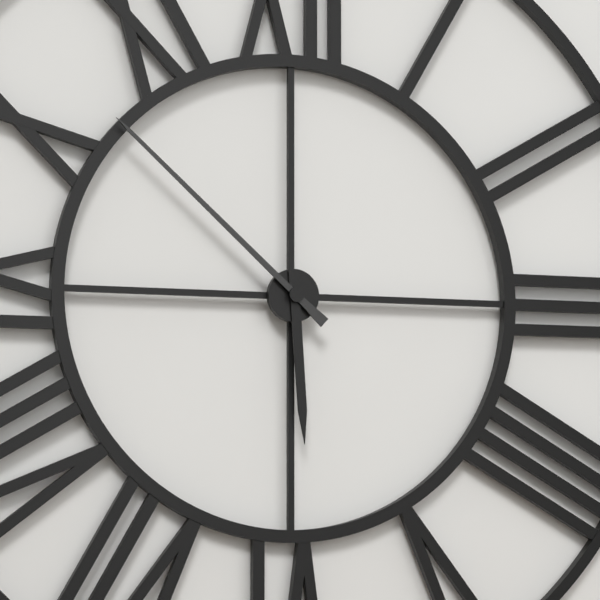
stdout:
5h52
